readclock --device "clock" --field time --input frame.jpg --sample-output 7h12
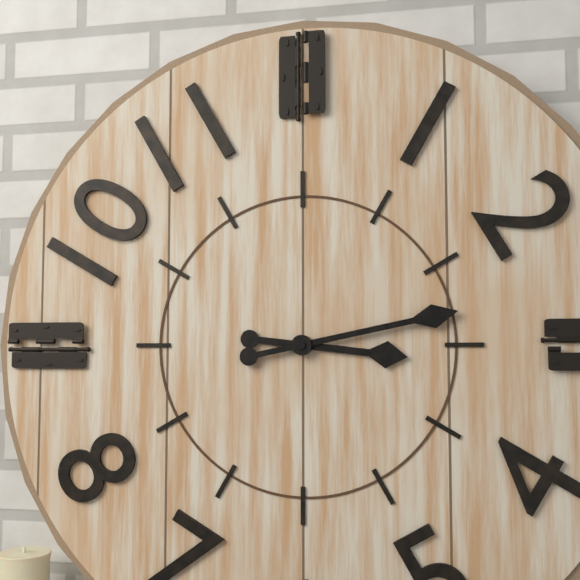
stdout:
3h13
